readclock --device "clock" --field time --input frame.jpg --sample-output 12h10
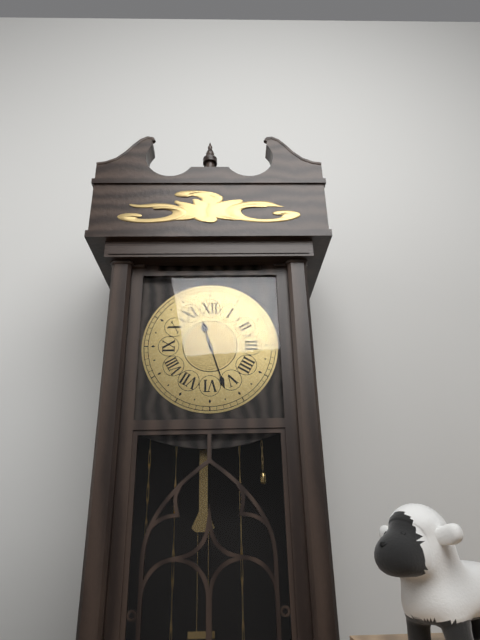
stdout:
11h27
